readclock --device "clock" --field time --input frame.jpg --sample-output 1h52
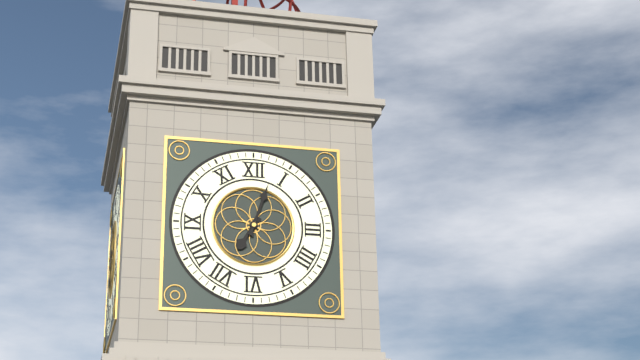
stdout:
7h03
